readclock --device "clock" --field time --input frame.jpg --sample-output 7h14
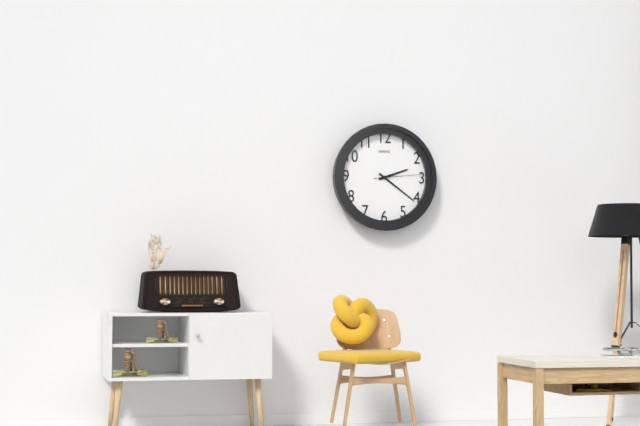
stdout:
2h21
